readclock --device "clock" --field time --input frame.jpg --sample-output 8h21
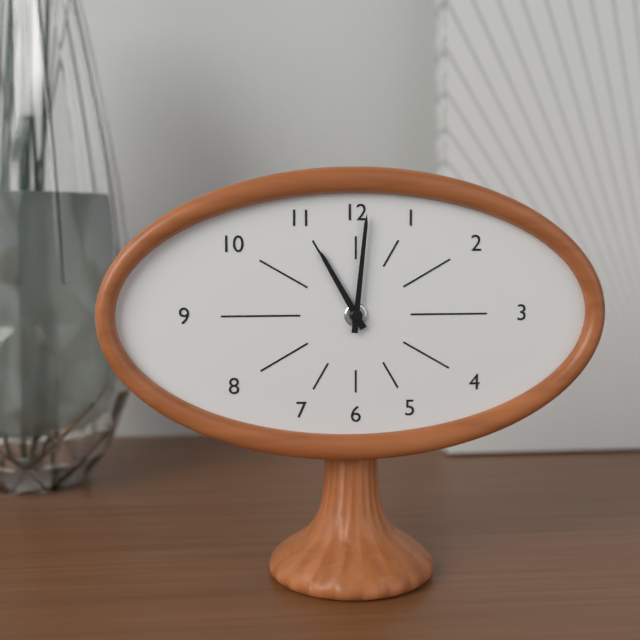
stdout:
11h01
